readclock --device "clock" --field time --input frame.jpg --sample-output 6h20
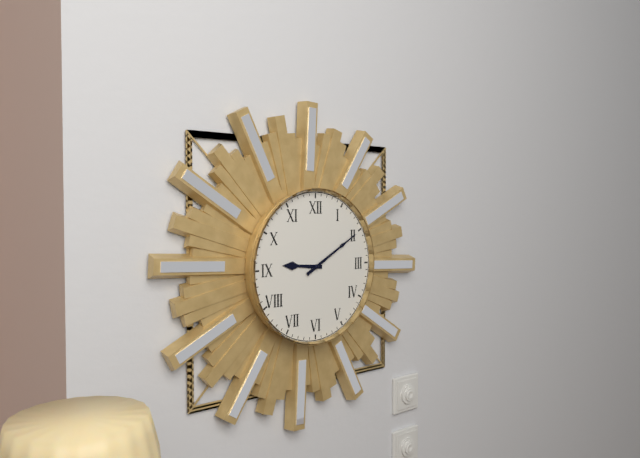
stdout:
9h10
